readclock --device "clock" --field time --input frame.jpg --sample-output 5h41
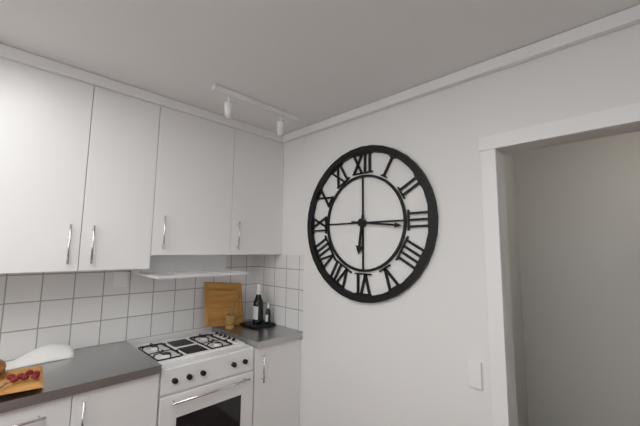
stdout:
6h16
